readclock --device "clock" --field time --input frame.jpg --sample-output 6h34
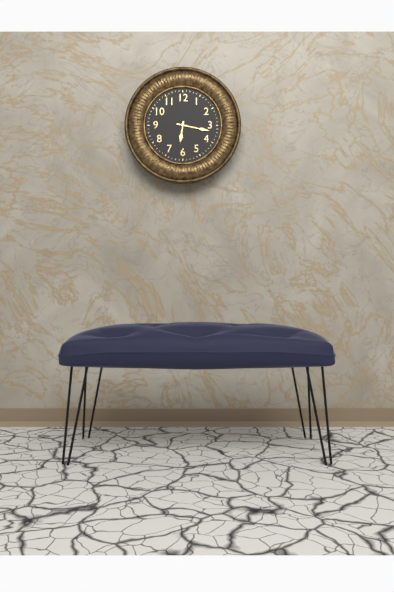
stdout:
6h17
